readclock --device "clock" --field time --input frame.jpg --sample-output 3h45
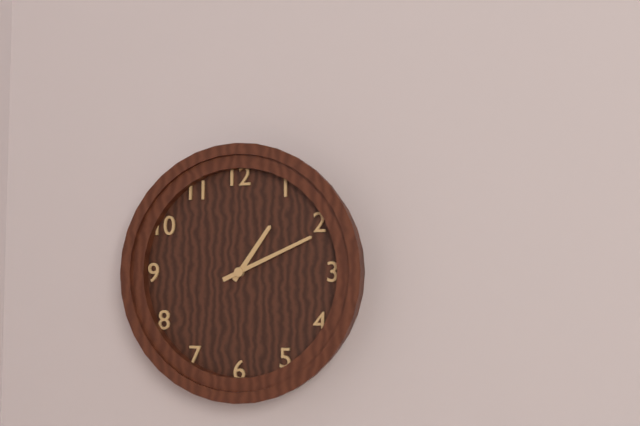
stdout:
1h11
